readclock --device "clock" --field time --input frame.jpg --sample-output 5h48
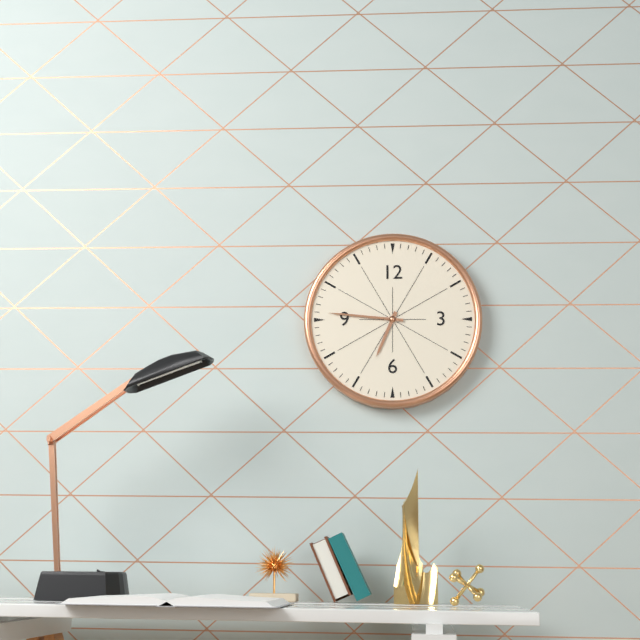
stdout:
6h46
